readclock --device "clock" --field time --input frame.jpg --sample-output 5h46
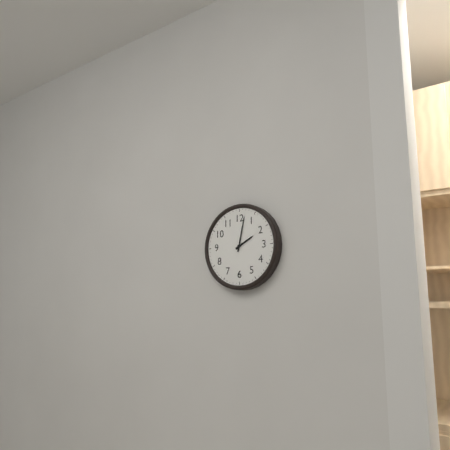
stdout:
2h02
